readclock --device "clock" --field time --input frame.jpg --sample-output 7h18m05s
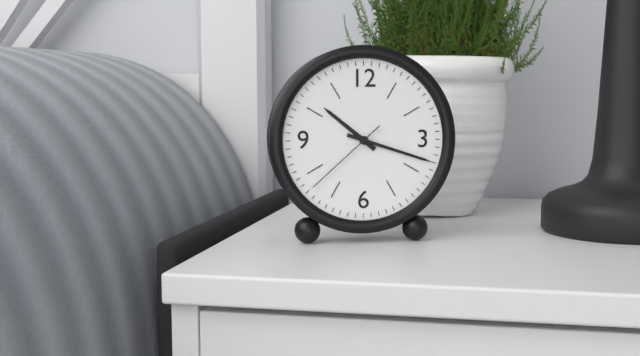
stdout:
10h18m38s
